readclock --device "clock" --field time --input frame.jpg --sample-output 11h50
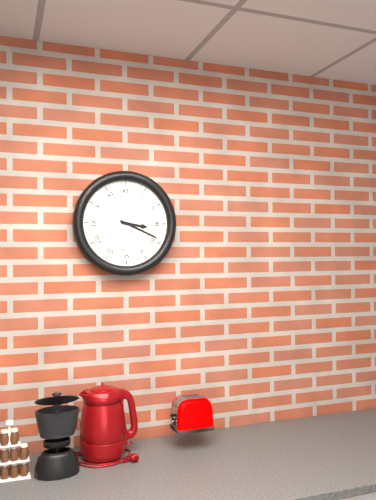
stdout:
3h19
